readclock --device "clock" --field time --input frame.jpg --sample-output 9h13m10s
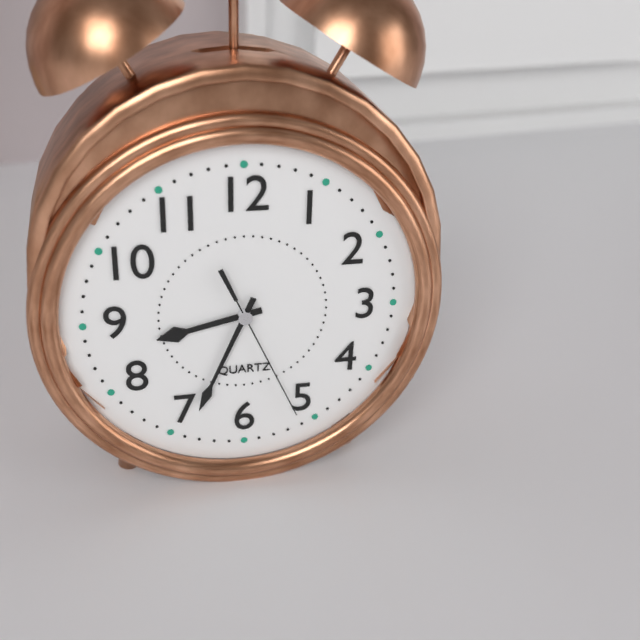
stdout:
8h34m26s
